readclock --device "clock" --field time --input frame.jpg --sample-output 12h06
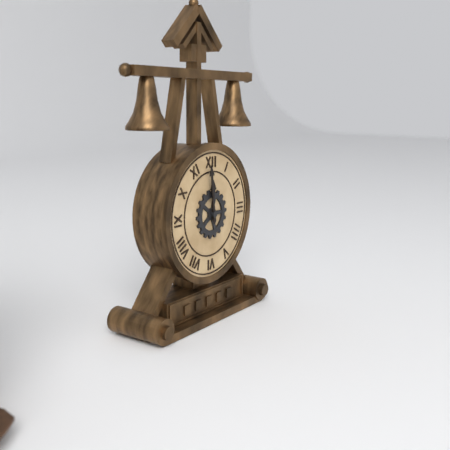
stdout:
11h59
